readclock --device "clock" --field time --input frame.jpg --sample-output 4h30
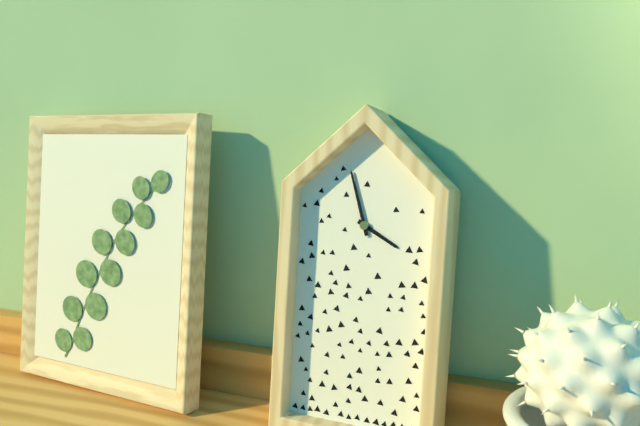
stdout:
3h57
